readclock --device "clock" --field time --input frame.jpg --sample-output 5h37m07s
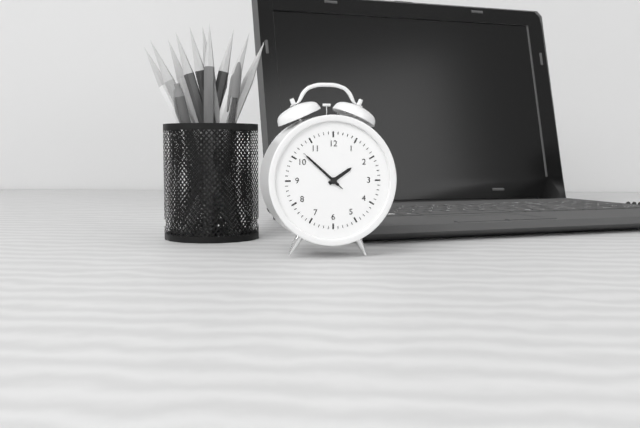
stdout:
1h52m52s
